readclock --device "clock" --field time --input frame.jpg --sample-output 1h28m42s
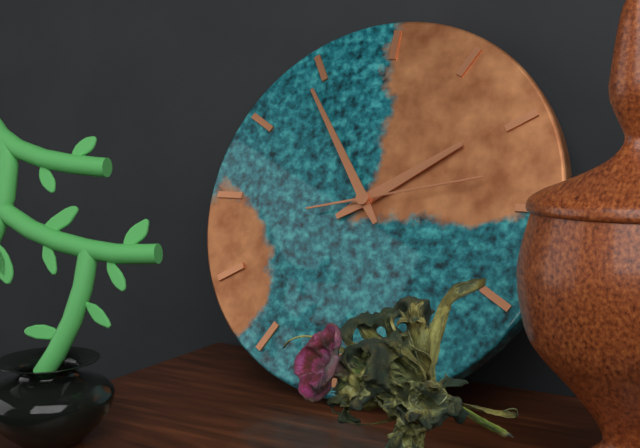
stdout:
1h54m13s
